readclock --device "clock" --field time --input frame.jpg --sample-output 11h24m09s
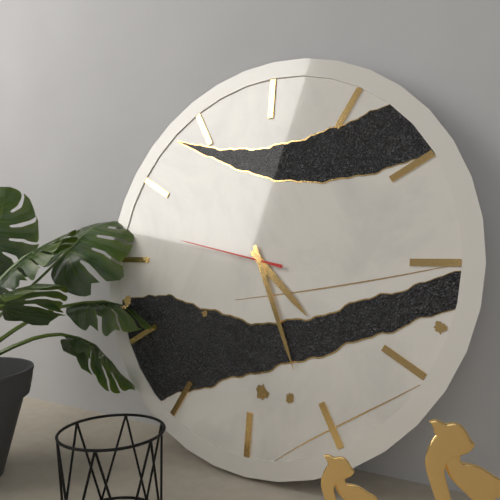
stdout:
4h26m47s
